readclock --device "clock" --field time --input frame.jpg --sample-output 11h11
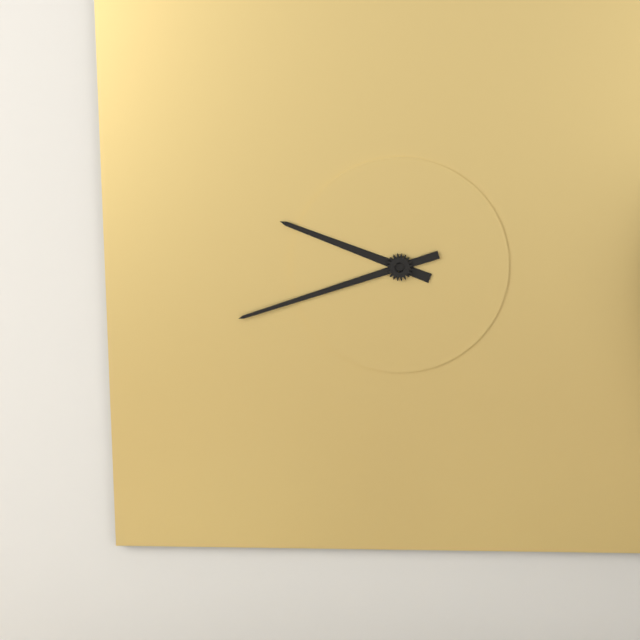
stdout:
9h42
